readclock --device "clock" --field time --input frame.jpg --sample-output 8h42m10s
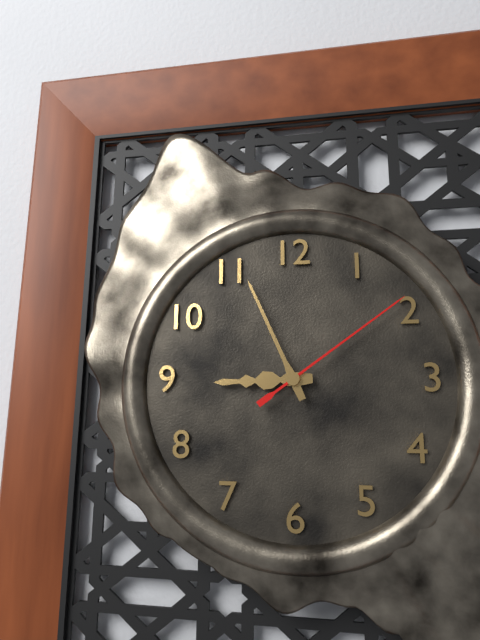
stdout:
8h56m09s
